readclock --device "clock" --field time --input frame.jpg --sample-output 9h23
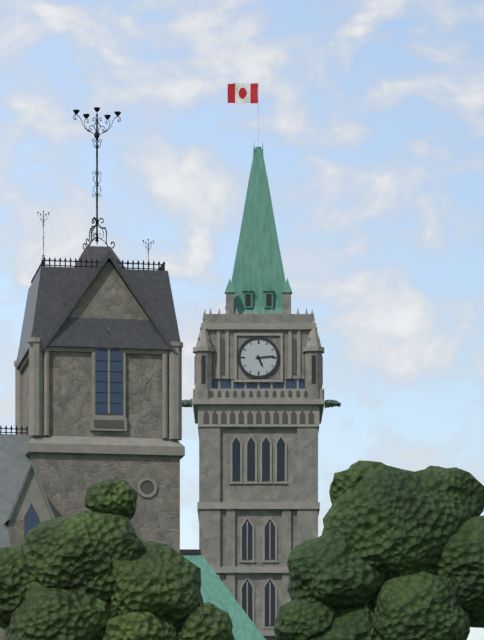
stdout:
5h14
